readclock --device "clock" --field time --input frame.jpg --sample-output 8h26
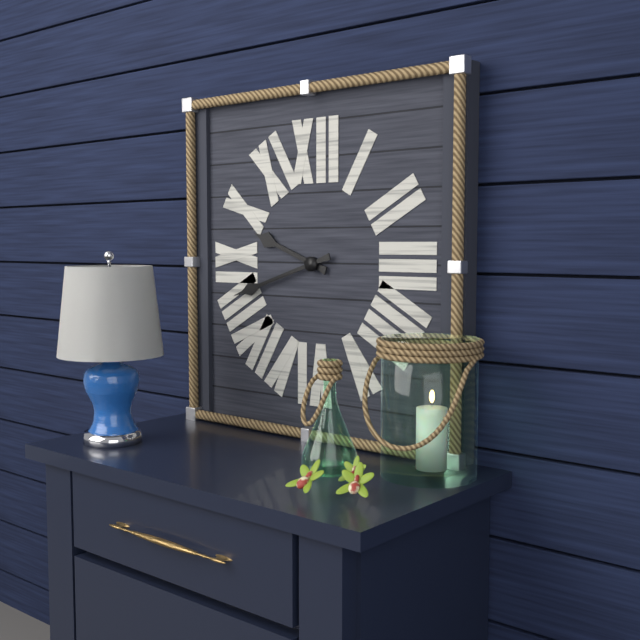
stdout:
9h42
